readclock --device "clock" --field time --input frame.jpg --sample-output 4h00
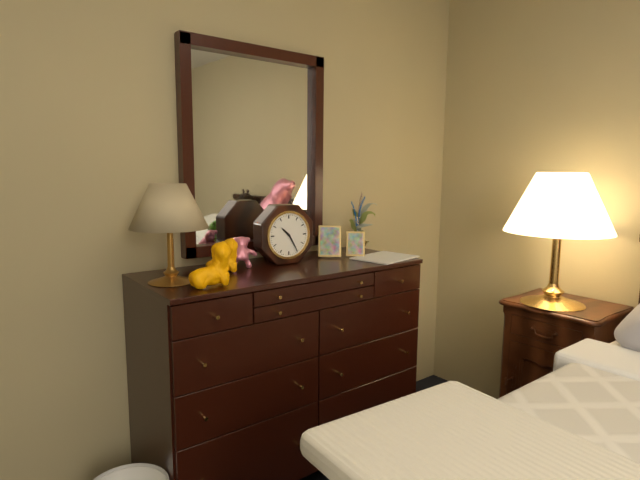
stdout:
10h25
